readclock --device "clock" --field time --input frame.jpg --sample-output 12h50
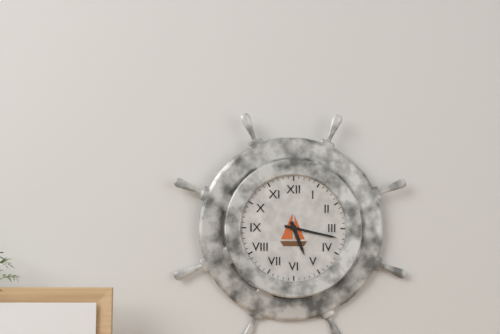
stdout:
5h17
